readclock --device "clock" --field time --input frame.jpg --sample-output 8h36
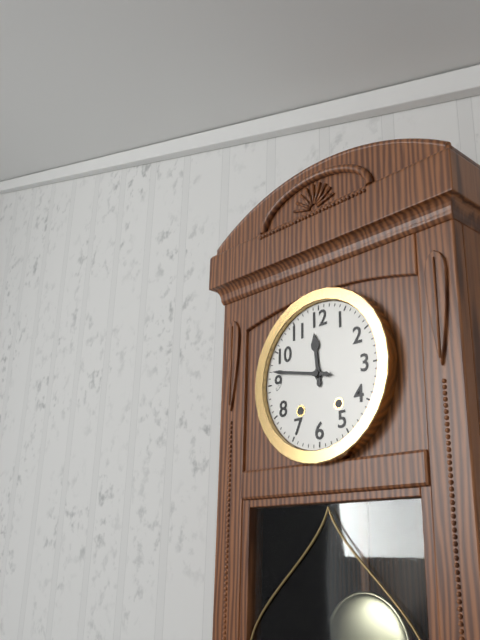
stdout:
11h47
